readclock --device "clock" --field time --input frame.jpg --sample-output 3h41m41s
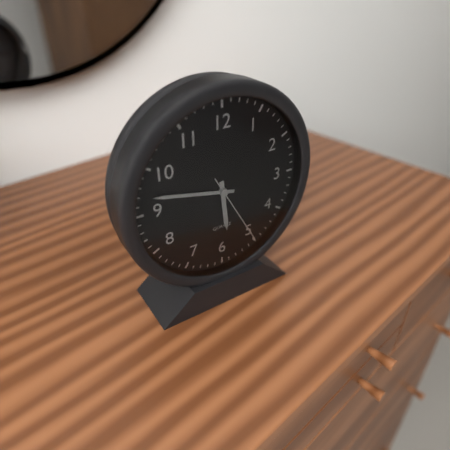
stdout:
5h47m25s
